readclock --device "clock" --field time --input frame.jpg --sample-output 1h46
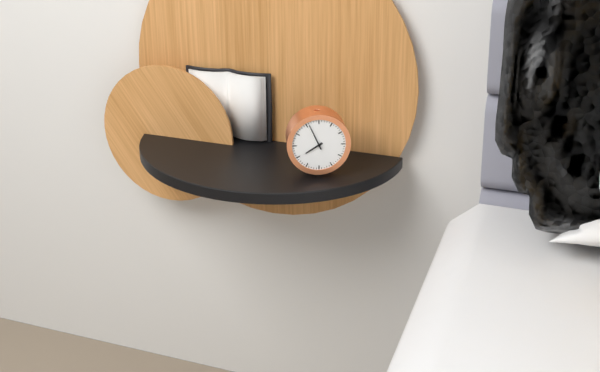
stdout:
7h56
